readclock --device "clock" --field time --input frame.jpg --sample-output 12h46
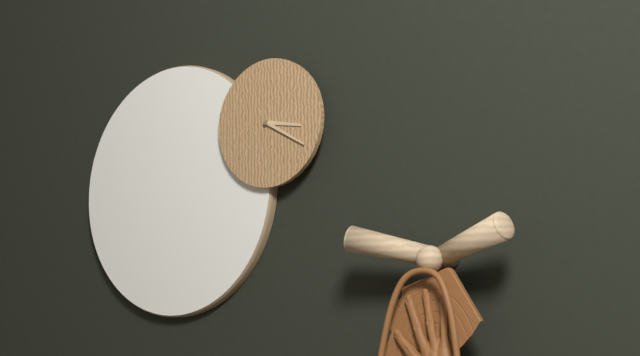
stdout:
3h20
